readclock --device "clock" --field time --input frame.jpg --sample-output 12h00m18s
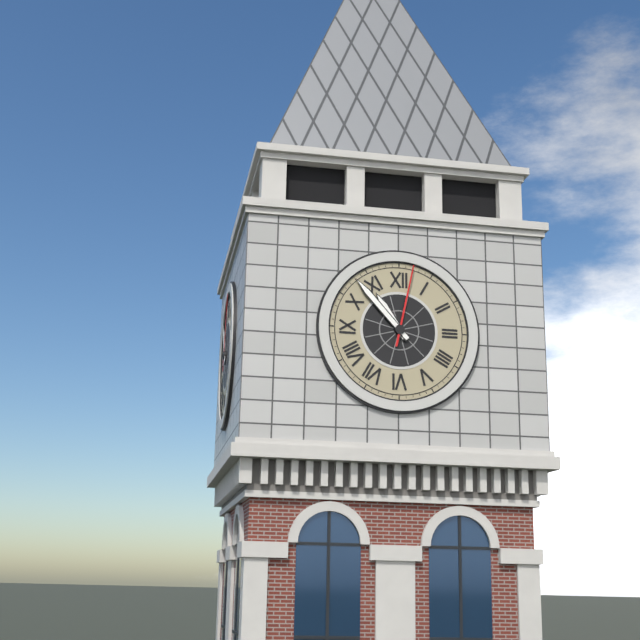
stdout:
10h53m02s
